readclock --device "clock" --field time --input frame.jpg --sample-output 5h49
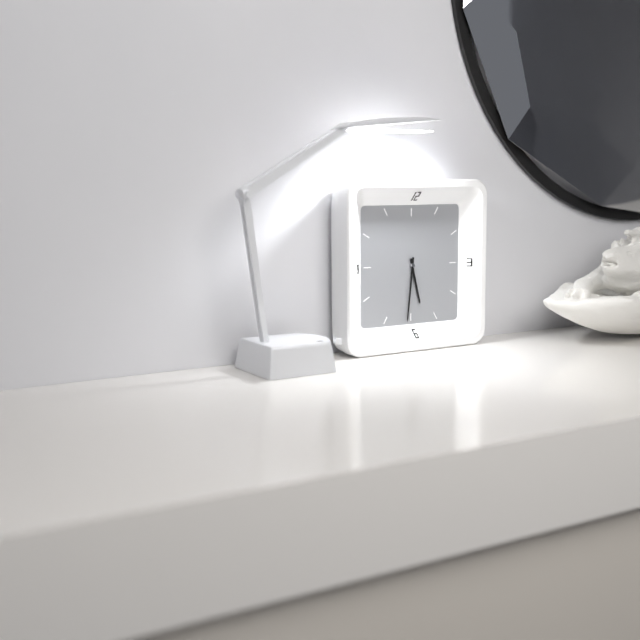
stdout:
5h31
